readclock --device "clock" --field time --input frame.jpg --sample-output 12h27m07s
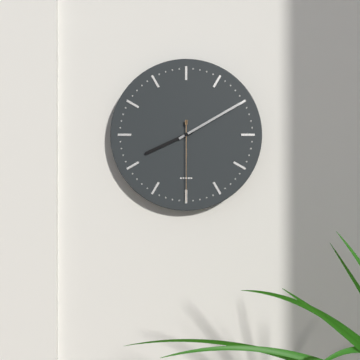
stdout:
8h10m30s
